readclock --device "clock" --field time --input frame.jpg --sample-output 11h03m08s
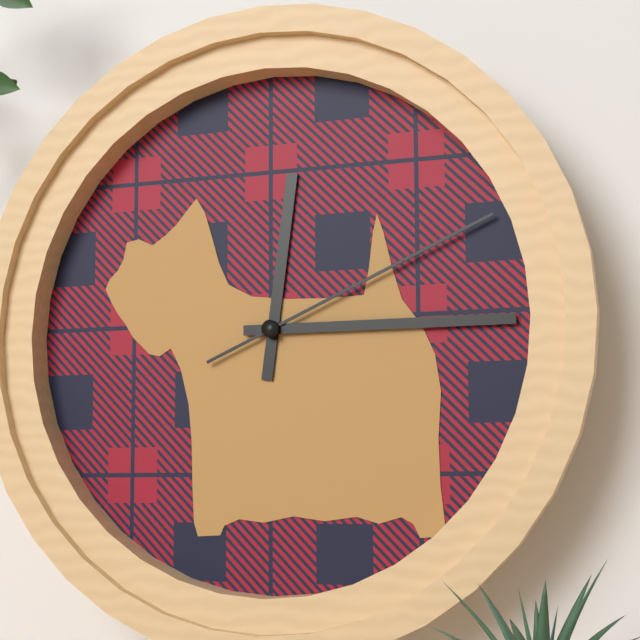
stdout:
12h15m11s
